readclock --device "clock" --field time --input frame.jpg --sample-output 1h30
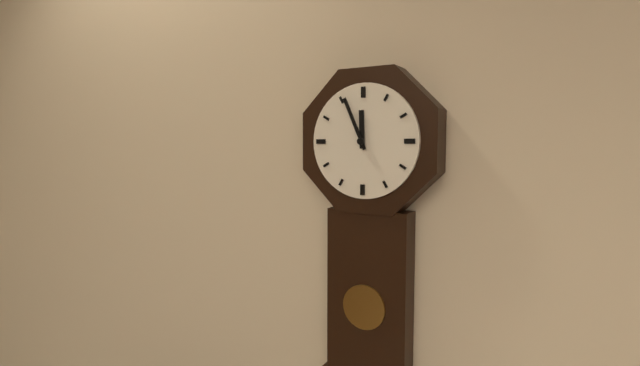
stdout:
11h56
